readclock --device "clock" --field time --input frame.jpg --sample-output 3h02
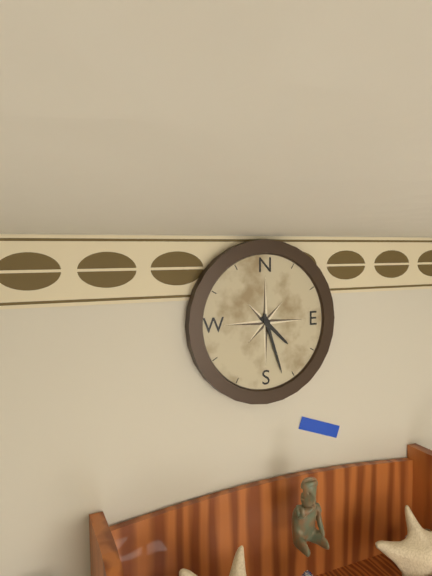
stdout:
4h27
